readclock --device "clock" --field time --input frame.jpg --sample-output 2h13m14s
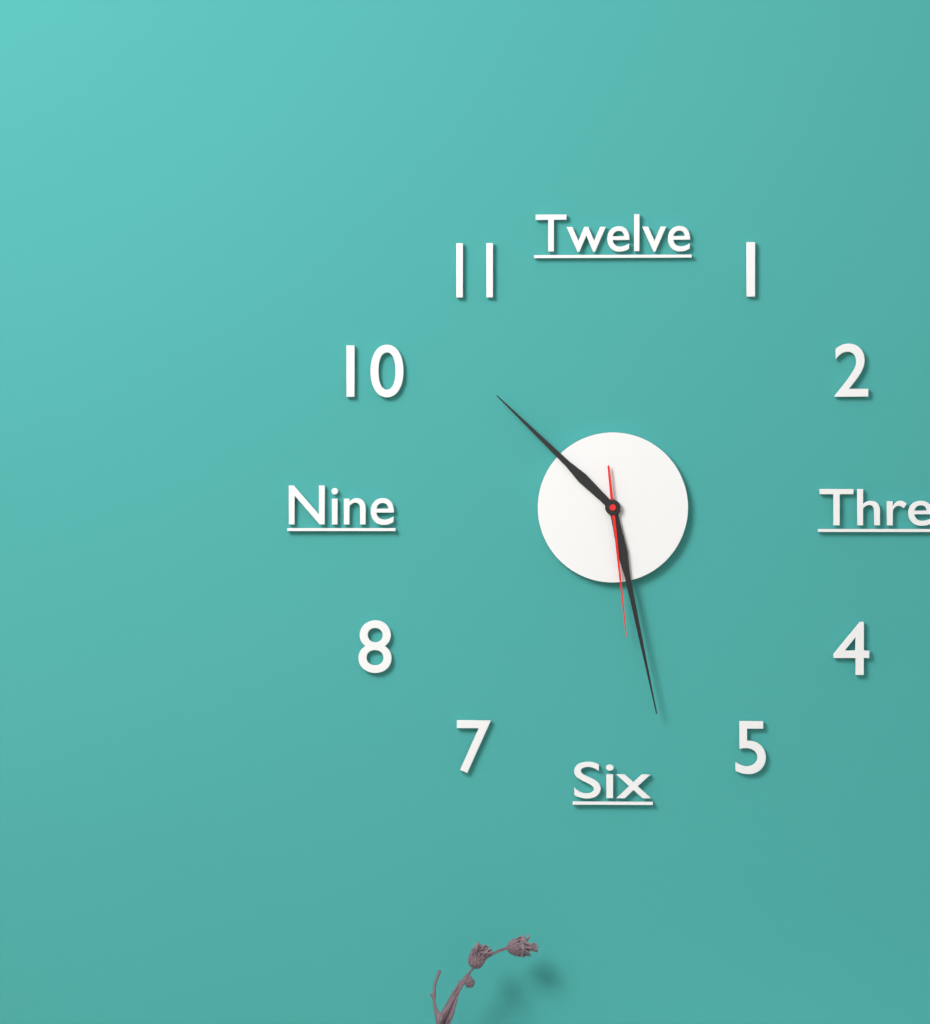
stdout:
10h28m29s
